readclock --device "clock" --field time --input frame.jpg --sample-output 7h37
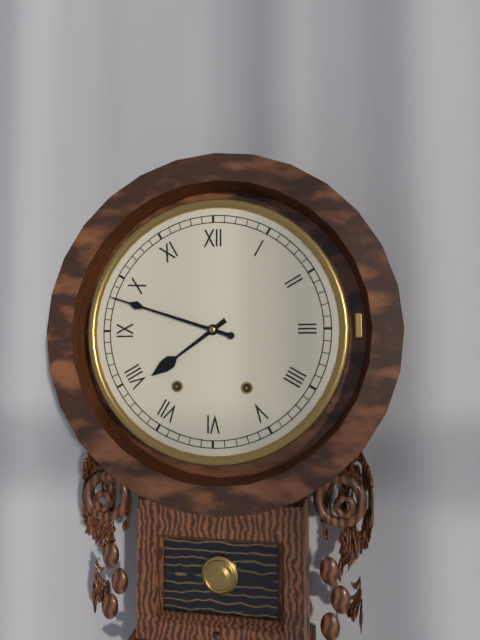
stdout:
7h48
